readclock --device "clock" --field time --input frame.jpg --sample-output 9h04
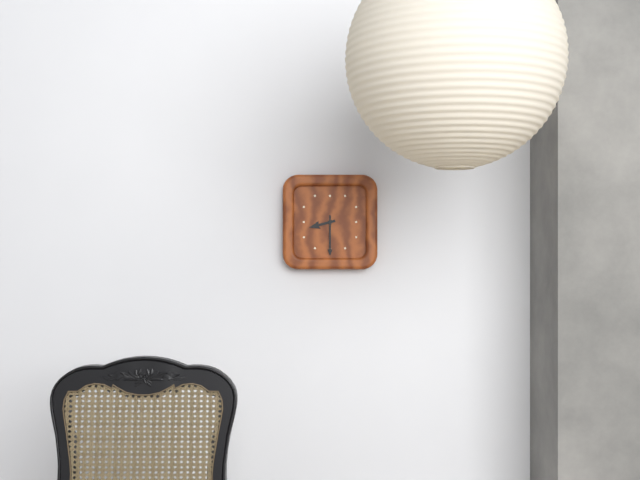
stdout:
8h30
